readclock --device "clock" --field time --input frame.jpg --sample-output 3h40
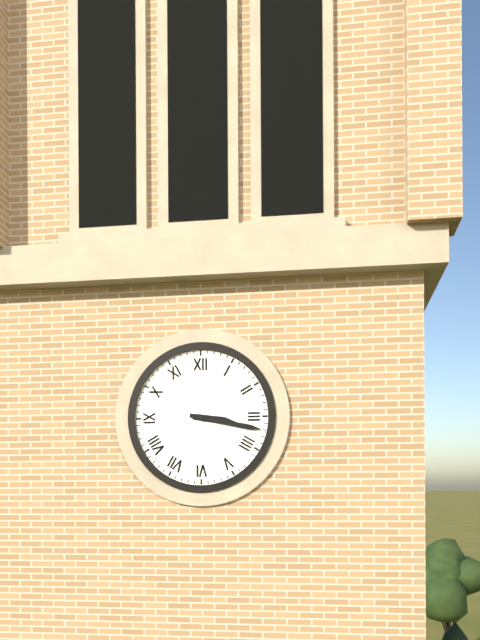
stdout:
3h17
